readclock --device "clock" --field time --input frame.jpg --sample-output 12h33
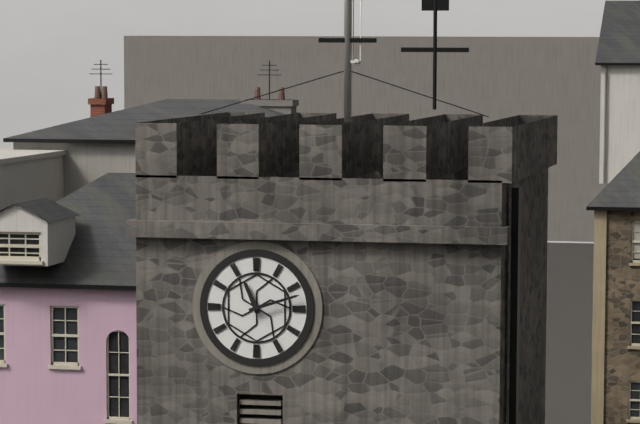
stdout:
11h12
